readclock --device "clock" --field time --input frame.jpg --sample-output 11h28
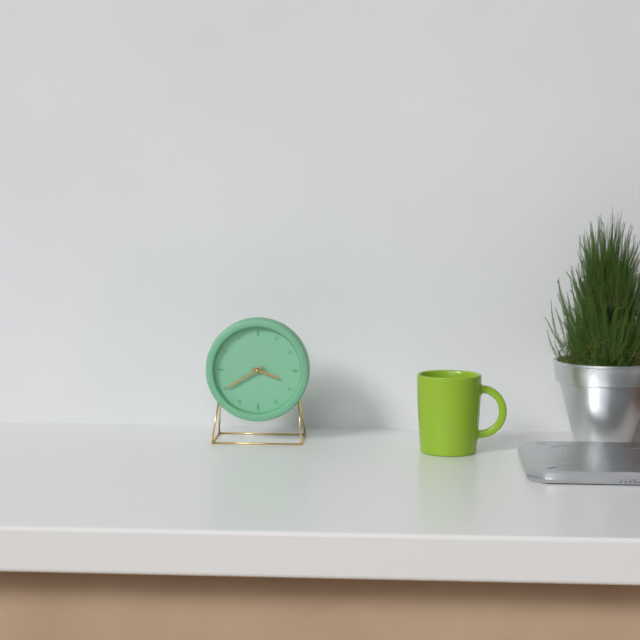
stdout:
3h40
